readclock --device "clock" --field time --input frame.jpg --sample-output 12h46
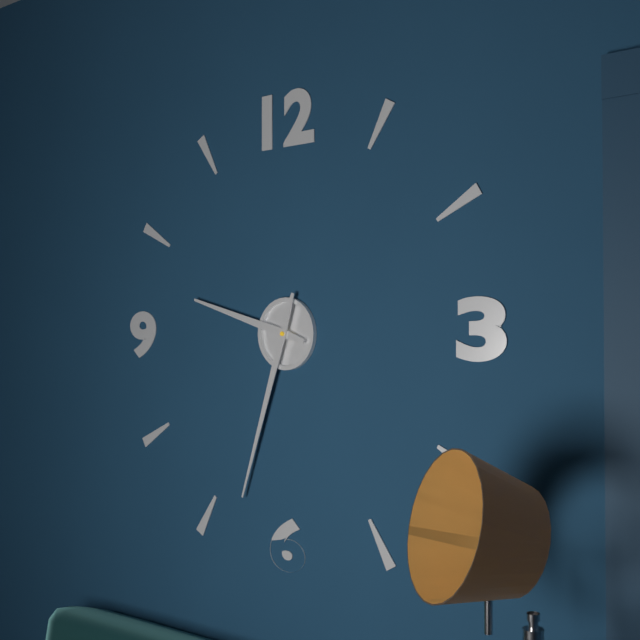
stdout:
9h33
